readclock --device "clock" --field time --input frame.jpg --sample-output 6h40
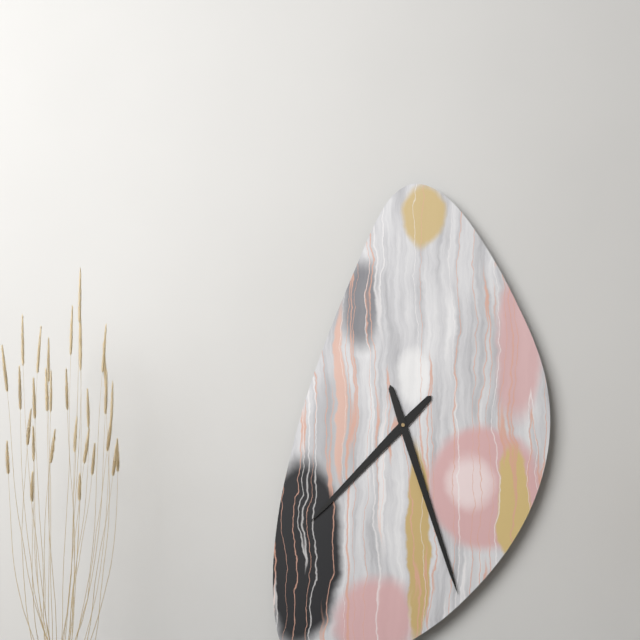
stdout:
7h27
